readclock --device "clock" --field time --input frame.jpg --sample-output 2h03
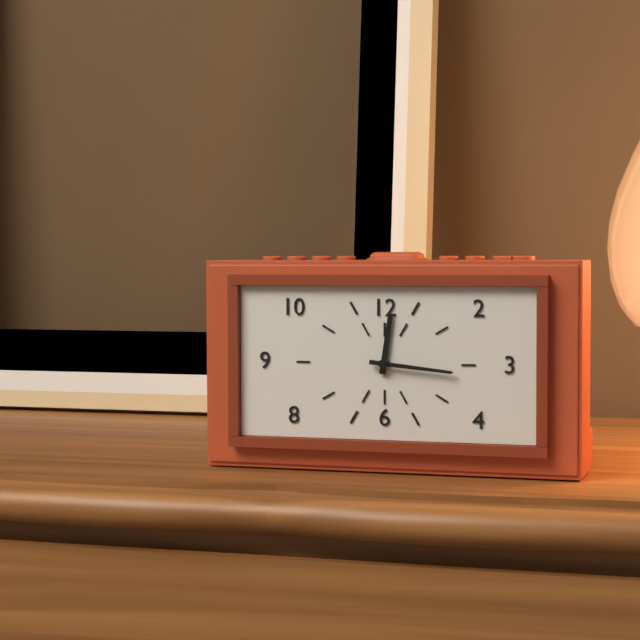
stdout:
12h16
